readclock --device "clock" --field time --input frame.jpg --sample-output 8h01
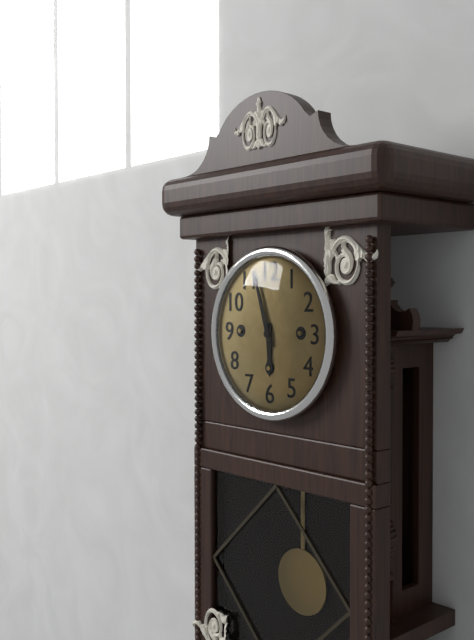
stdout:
5h57
